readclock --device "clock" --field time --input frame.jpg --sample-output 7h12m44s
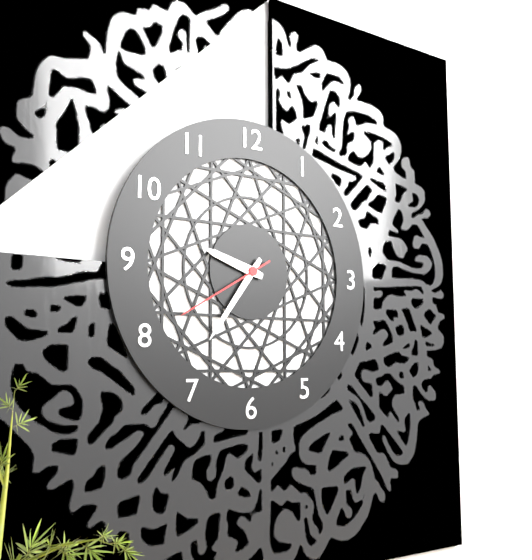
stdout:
9h36m40s
